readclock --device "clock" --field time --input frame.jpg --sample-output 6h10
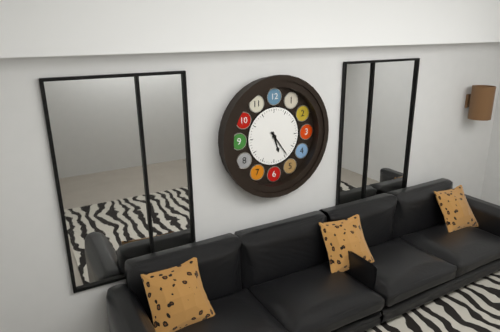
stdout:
5h24
